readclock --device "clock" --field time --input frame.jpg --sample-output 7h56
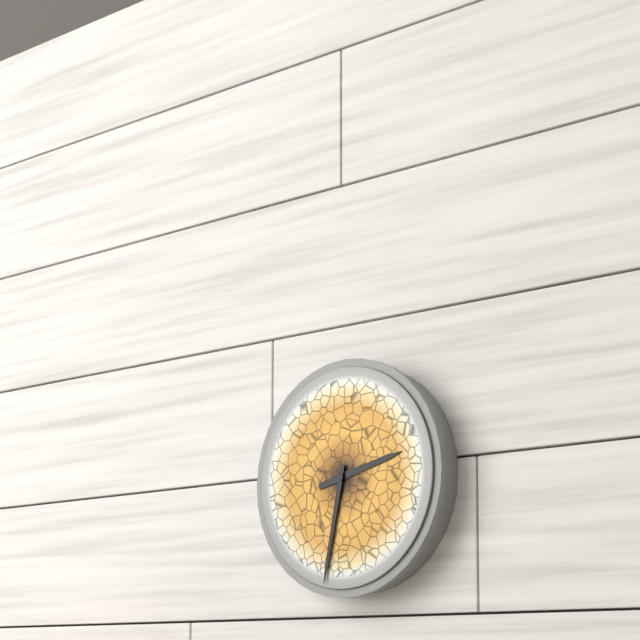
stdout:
2h32
